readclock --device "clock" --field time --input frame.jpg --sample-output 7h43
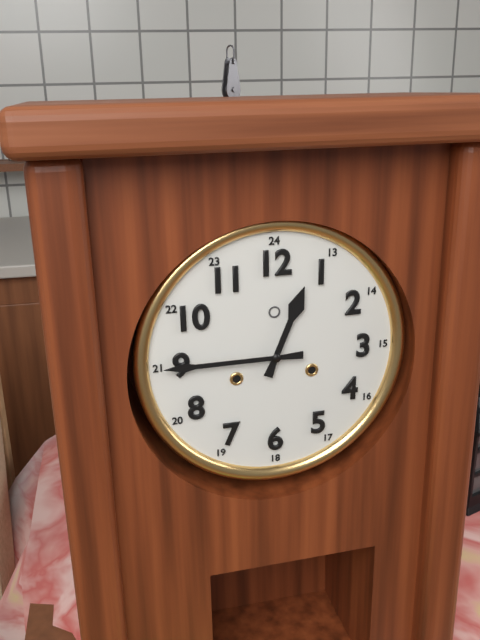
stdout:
12h45
